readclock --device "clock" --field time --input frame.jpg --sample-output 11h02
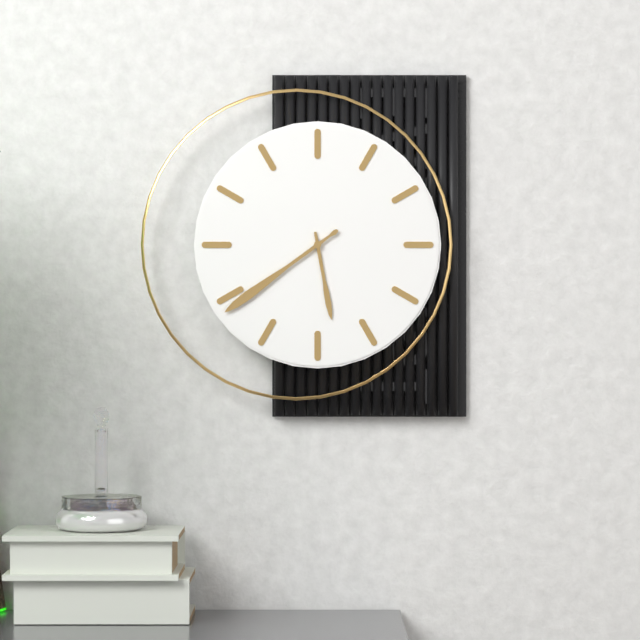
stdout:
5h39
